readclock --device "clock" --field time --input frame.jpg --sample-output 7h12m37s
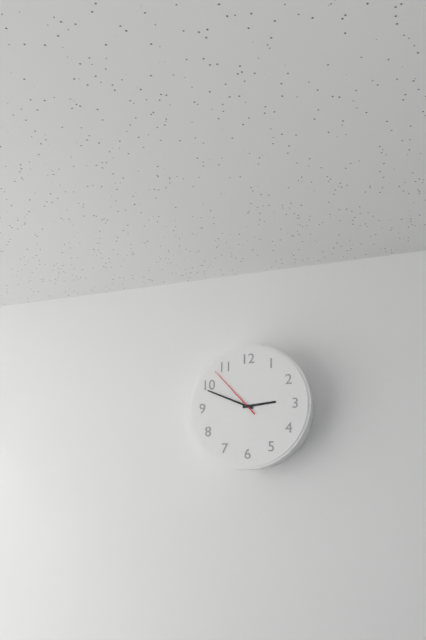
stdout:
2h49m53s
